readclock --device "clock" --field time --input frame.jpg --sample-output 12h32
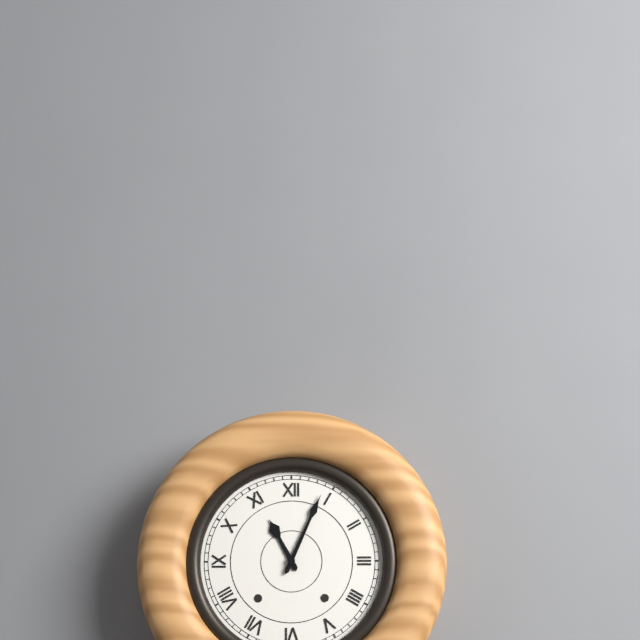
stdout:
11h04
